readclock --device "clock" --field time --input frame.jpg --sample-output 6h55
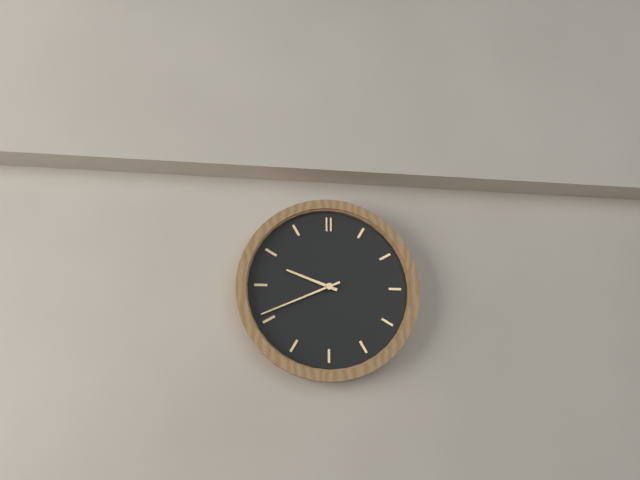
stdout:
9h41
